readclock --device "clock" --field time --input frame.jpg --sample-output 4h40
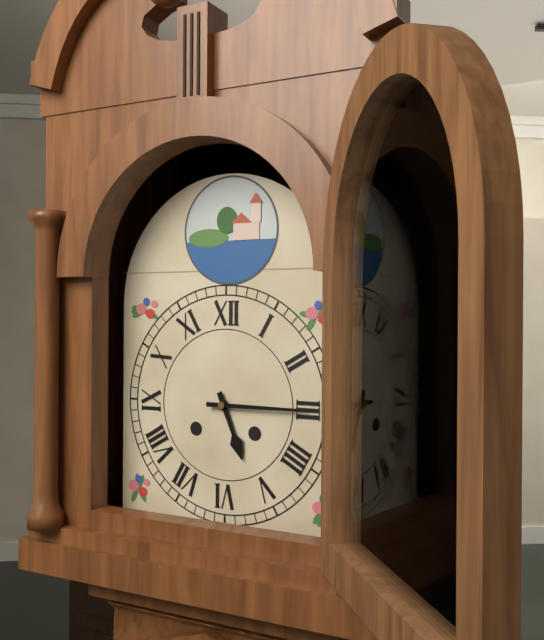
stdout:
5h15
